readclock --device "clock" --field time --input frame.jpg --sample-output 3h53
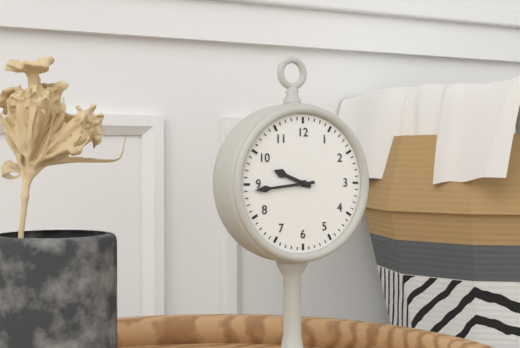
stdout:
9h44
